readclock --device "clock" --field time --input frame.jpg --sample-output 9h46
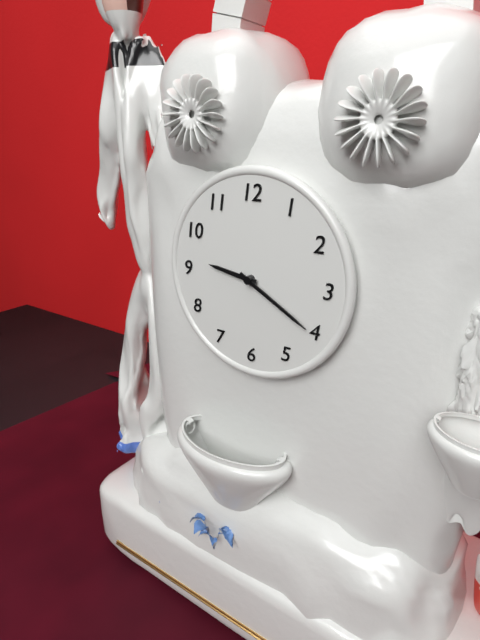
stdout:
9h20
